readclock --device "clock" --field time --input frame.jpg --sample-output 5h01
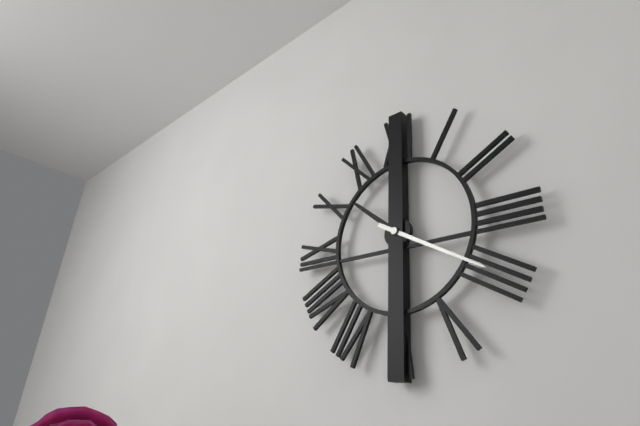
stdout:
10h20
